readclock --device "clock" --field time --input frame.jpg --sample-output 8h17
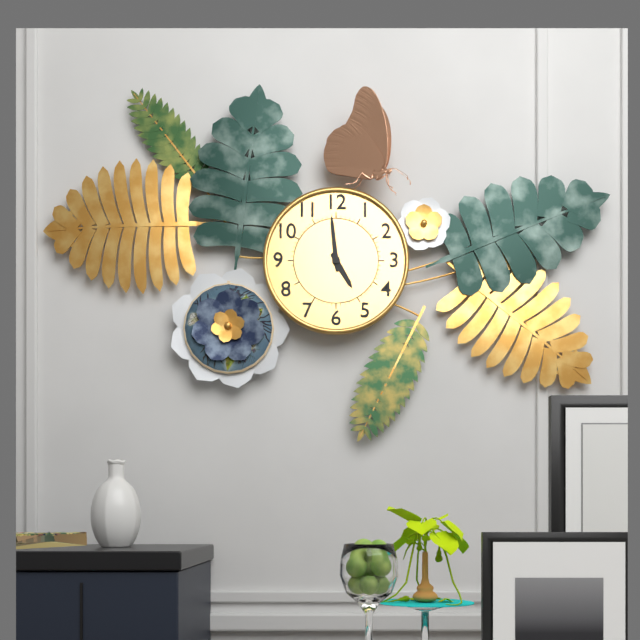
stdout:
4h59
